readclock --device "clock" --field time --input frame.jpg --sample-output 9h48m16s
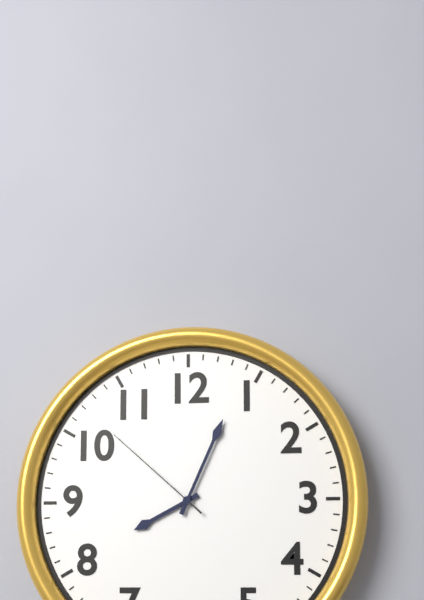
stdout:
8h04m52s
